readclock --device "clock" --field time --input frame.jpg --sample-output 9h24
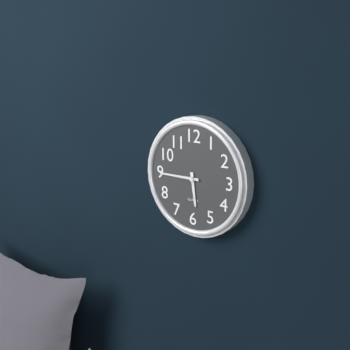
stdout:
5h45
